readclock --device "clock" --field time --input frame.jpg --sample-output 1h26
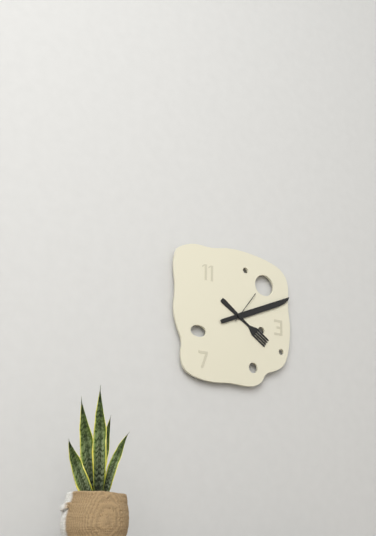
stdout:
4h11
